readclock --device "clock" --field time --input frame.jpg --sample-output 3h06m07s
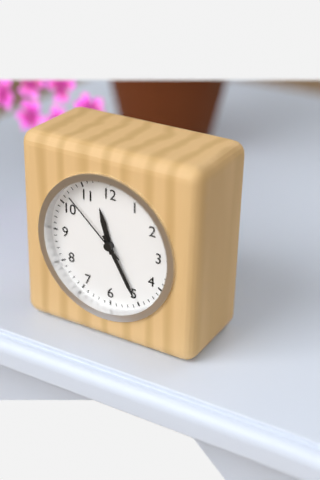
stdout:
11h25m52s
